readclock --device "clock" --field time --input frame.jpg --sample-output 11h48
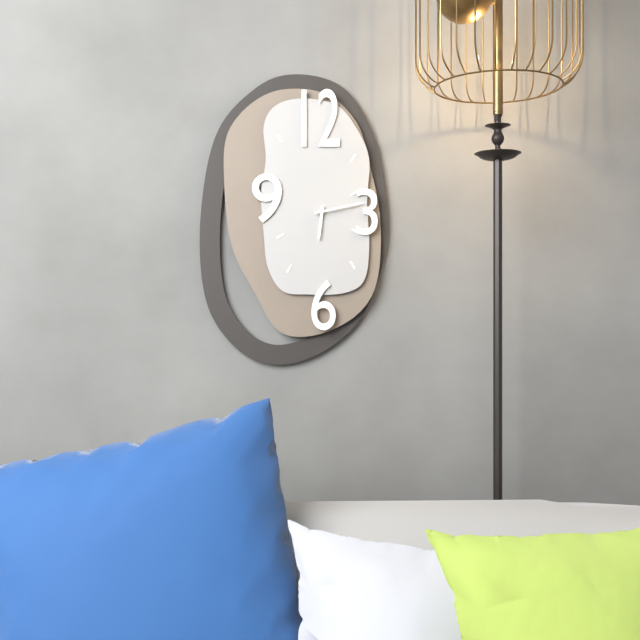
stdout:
6h13
